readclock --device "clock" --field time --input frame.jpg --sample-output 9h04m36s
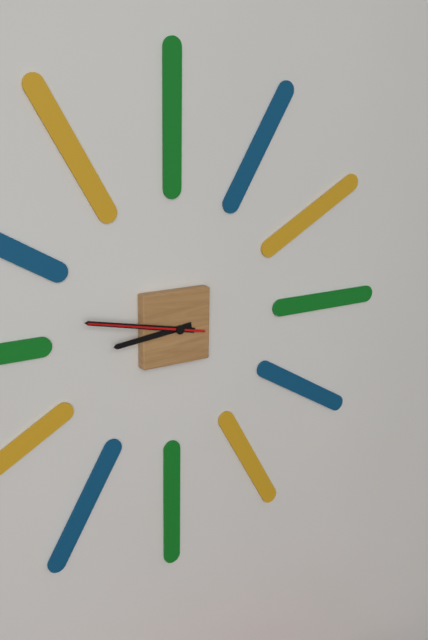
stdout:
8h47m47s
